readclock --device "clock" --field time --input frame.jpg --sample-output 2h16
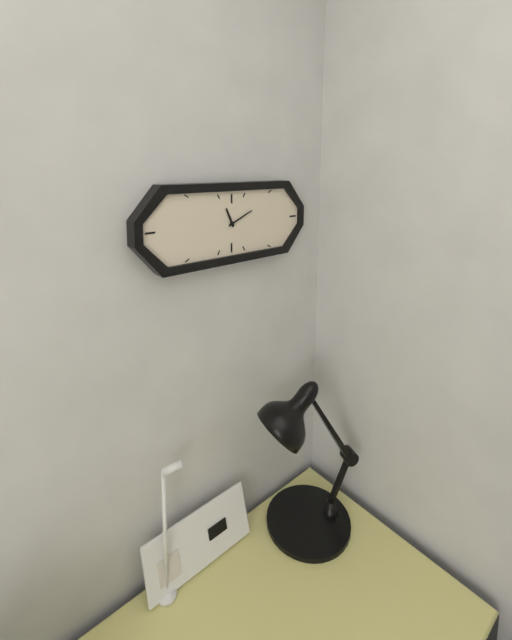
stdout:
11h11
